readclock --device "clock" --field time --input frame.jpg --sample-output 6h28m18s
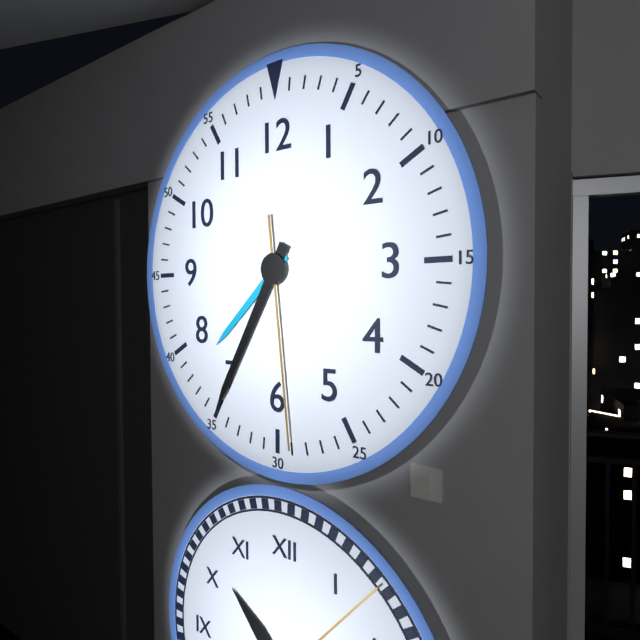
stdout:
7h35m29s
